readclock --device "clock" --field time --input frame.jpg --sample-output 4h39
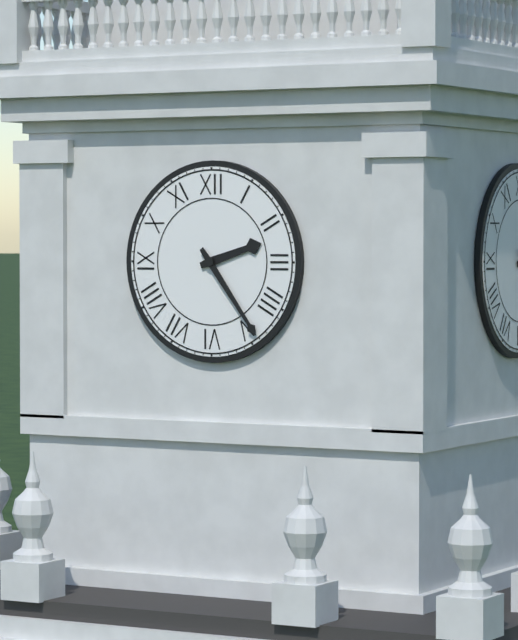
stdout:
2h24
